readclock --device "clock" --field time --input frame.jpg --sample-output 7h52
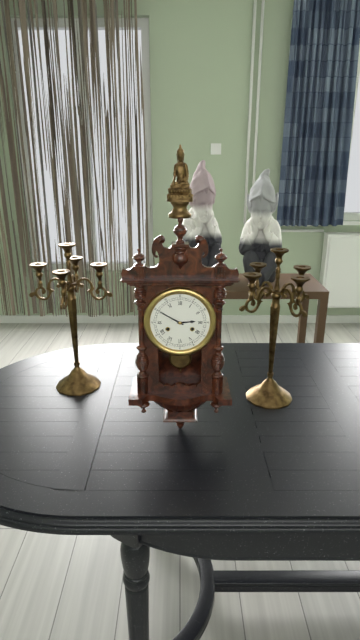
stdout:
2h50
